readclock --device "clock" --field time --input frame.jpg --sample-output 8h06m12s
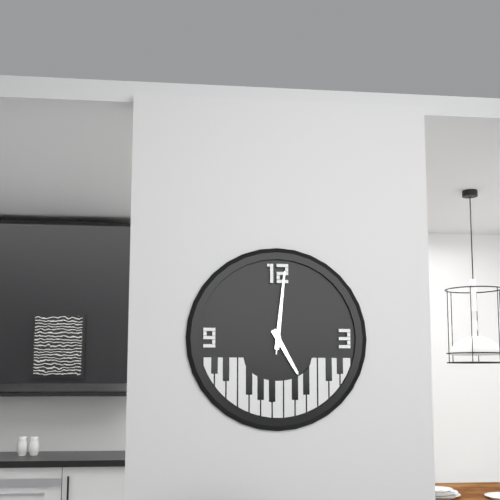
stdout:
5h01m01s
